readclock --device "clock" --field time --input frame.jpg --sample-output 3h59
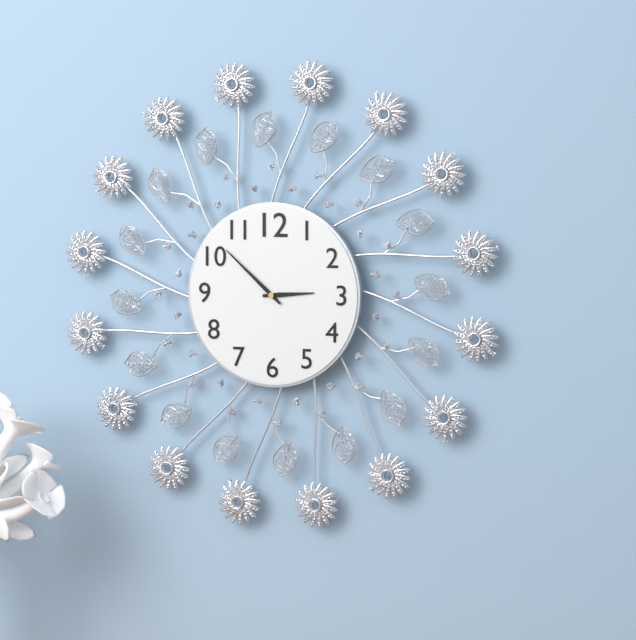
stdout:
2h52
